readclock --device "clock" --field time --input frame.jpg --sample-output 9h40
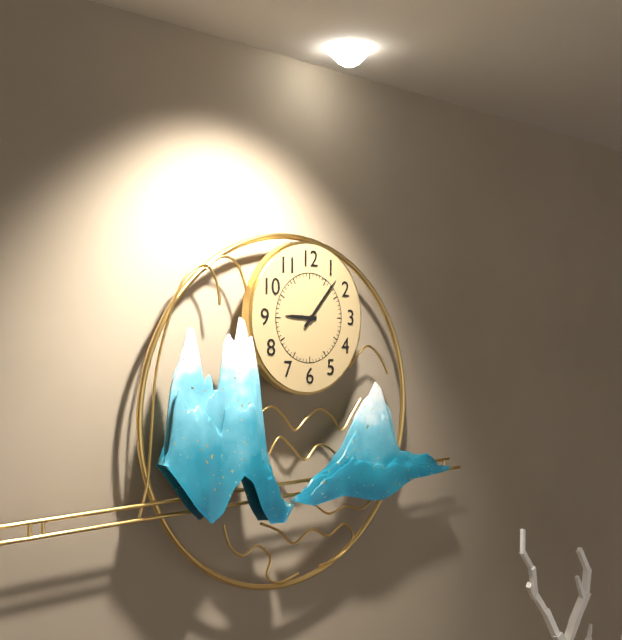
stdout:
9h07
